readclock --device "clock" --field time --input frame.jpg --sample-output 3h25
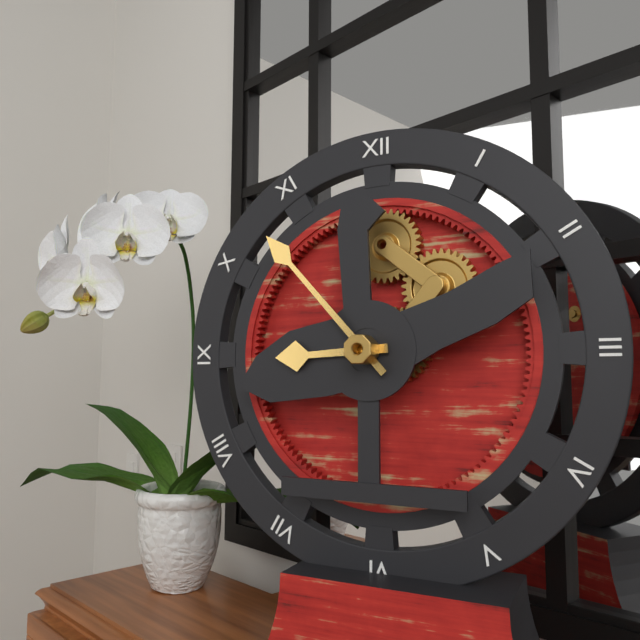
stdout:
8h53
